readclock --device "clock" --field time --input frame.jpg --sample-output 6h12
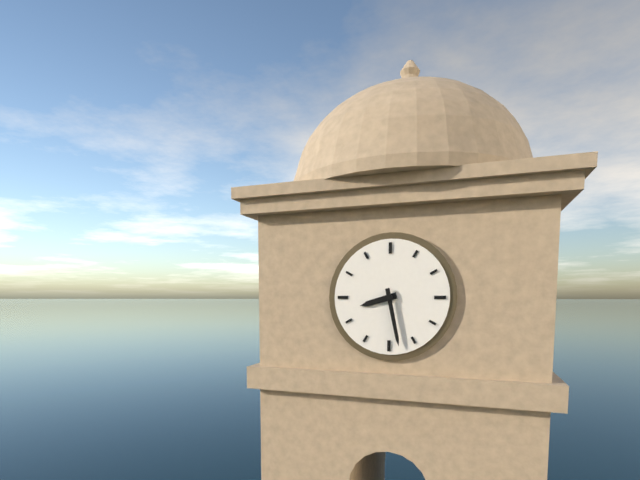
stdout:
8h28
